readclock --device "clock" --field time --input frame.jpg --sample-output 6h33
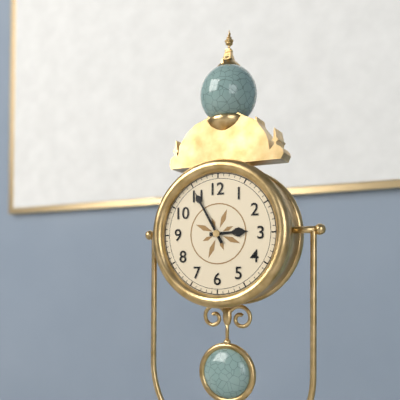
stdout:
2h55
